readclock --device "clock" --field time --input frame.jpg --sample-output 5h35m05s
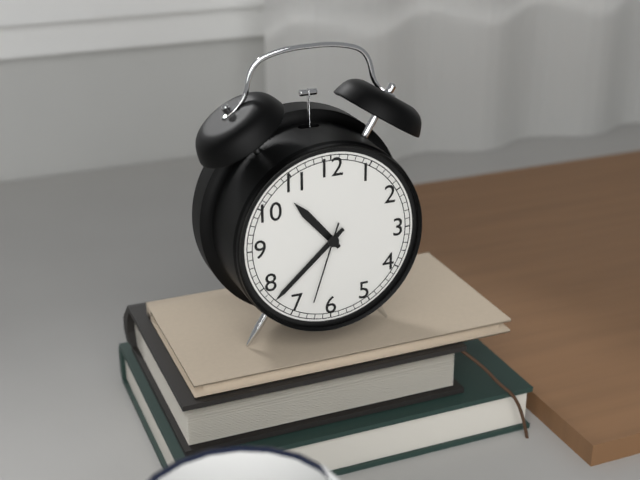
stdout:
10h38m33s
